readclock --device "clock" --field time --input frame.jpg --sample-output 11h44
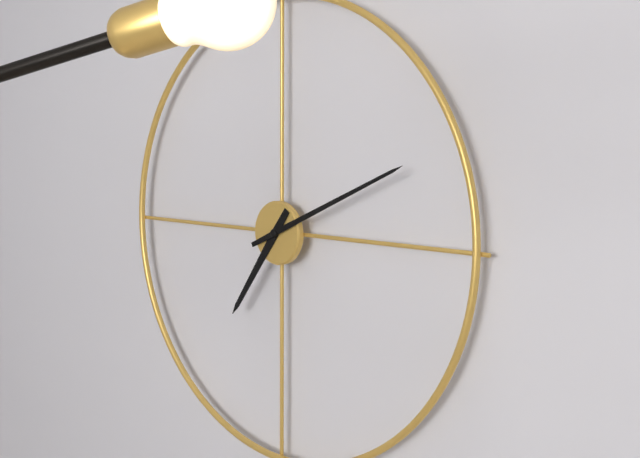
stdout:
7h11
